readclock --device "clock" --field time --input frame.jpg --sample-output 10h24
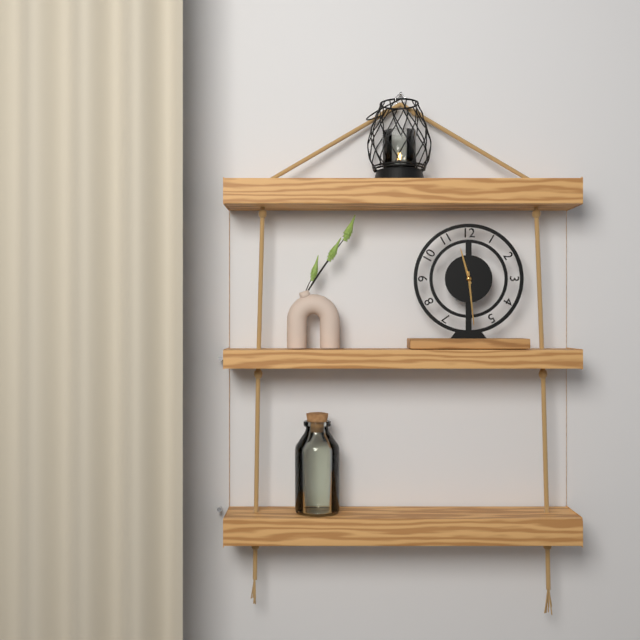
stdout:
11h29
